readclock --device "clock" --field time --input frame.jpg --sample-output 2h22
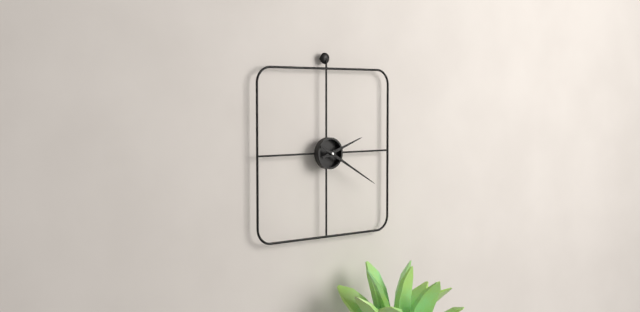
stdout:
2h20
